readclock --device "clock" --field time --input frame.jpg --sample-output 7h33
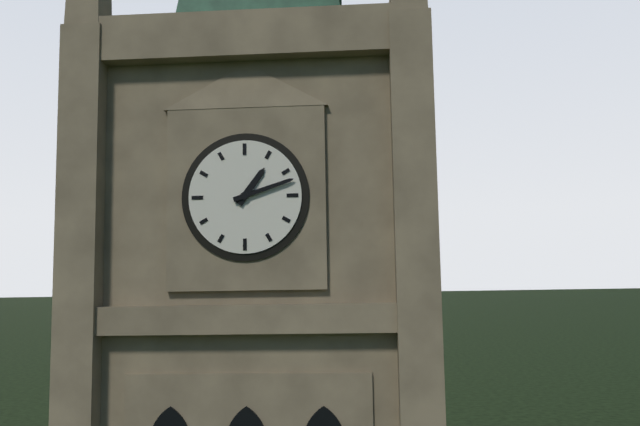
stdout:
1h12
